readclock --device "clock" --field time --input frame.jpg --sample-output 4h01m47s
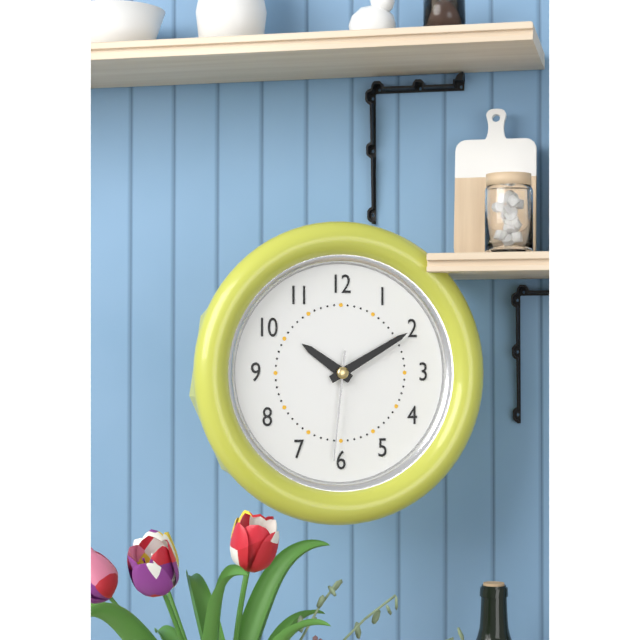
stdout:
10h10m31s
